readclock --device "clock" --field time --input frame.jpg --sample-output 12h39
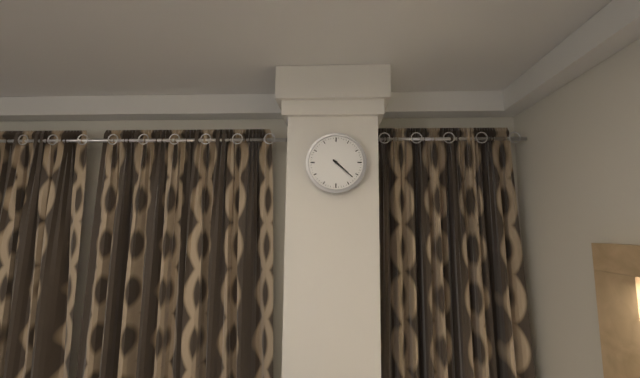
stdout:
4h22
